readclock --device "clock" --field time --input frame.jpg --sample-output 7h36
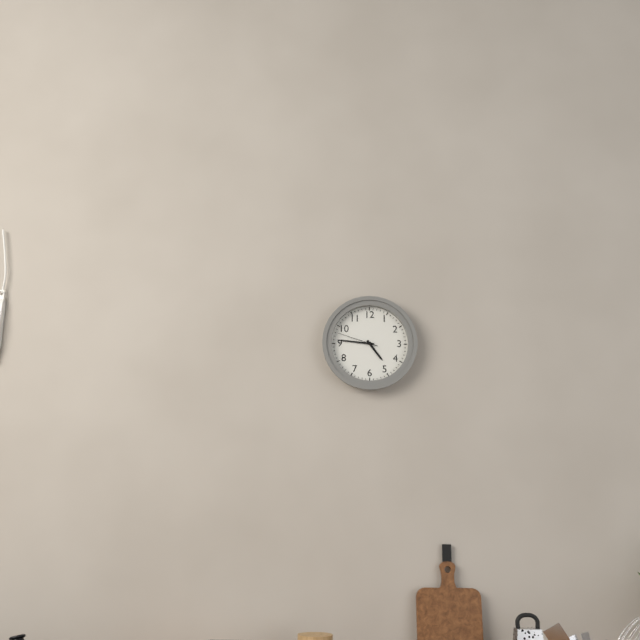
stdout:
4h46
